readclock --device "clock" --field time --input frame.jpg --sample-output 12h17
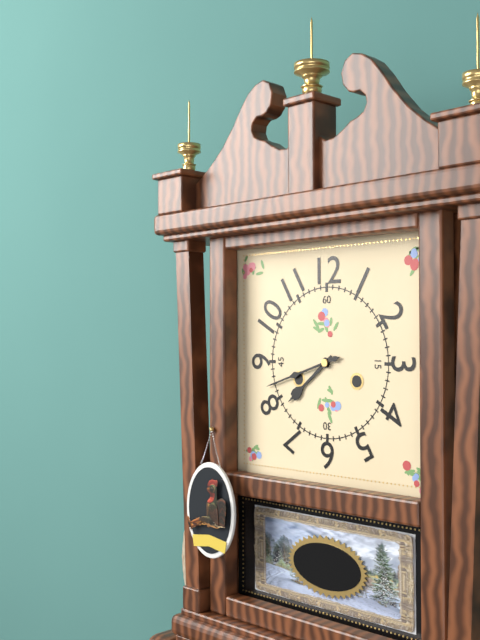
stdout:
7h42
